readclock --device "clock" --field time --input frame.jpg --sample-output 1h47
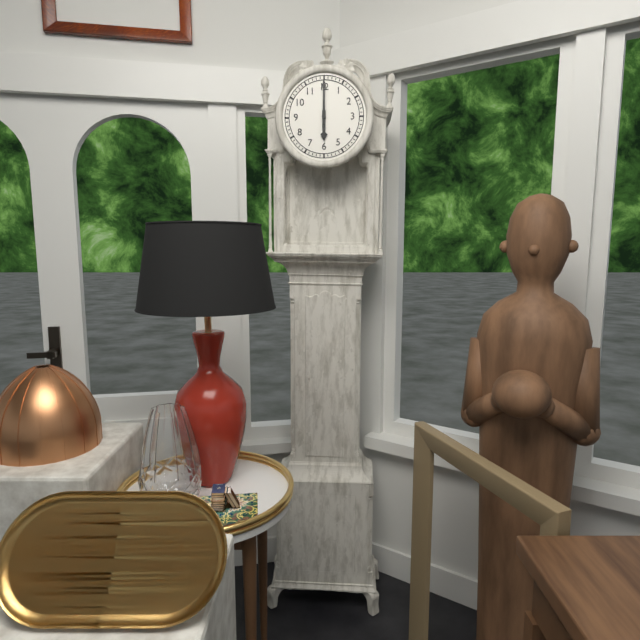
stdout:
6h00
